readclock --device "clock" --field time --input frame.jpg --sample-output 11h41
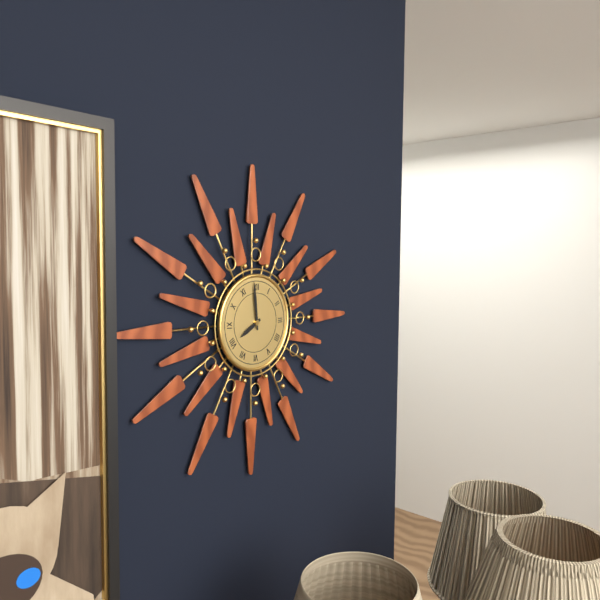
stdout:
7h59
